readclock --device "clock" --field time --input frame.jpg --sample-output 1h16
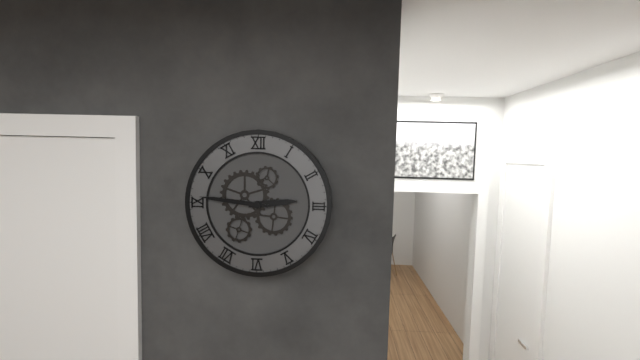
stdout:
2h46
